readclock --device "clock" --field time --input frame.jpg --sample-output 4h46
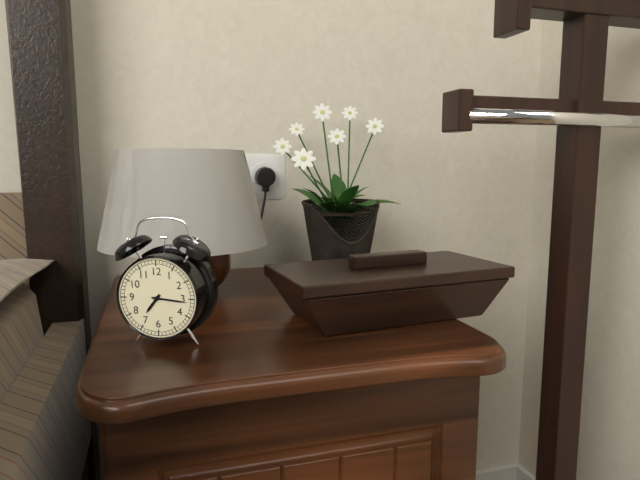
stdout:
7h16
